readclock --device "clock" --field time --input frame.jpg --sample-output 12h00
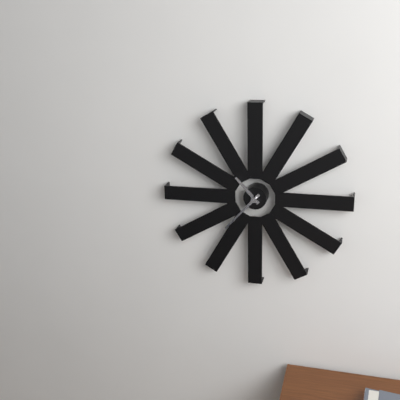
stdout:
10h37
